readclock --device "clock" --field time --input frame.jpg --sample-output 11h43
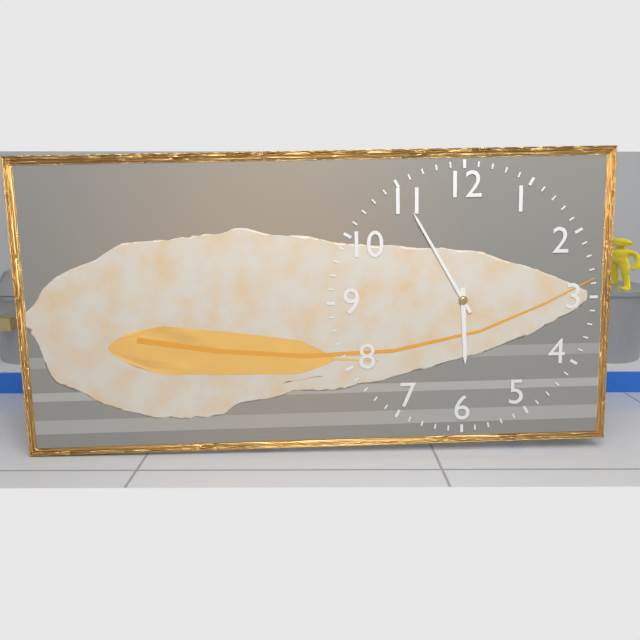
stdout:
5h55
